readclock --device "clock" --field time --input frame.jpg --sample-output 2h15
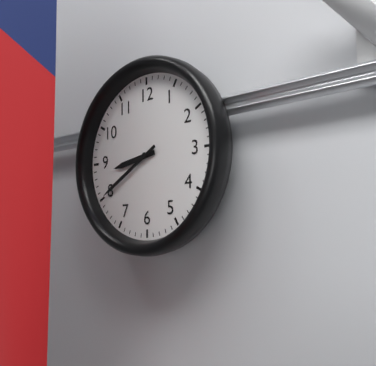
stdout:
8h40
